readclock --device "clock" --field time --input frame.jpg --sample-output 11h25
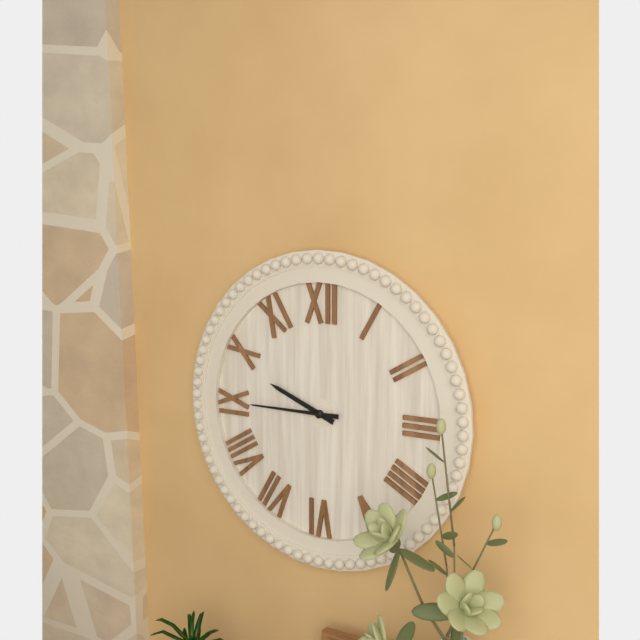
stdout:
9h45
